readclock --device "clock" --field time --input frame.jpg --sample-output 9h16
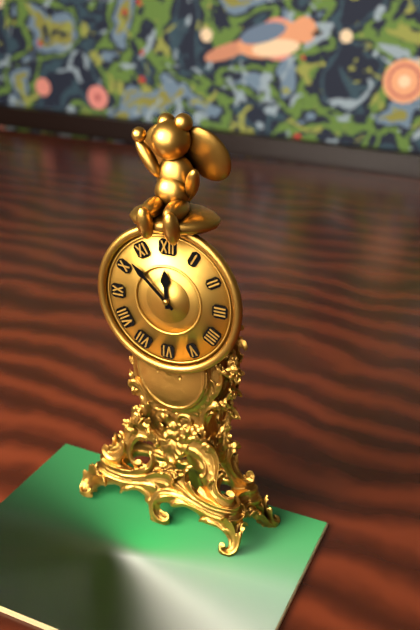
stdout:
11h52
